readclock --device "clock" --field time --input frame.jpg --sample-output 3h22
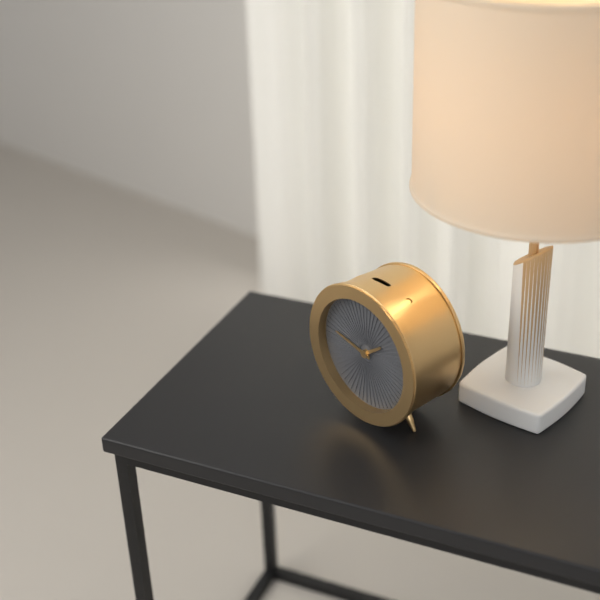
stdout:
1h47
